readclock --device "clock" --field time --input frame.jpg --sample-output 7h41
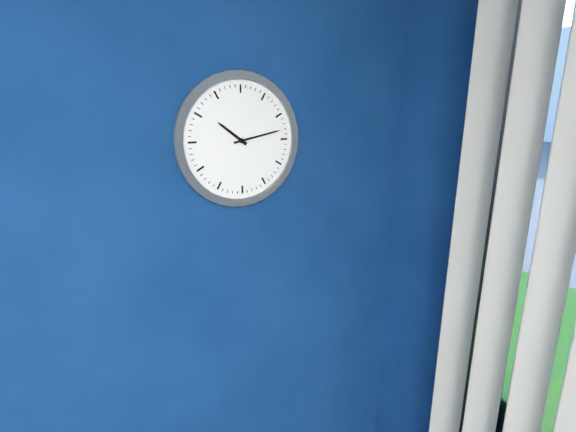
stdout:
10h13
